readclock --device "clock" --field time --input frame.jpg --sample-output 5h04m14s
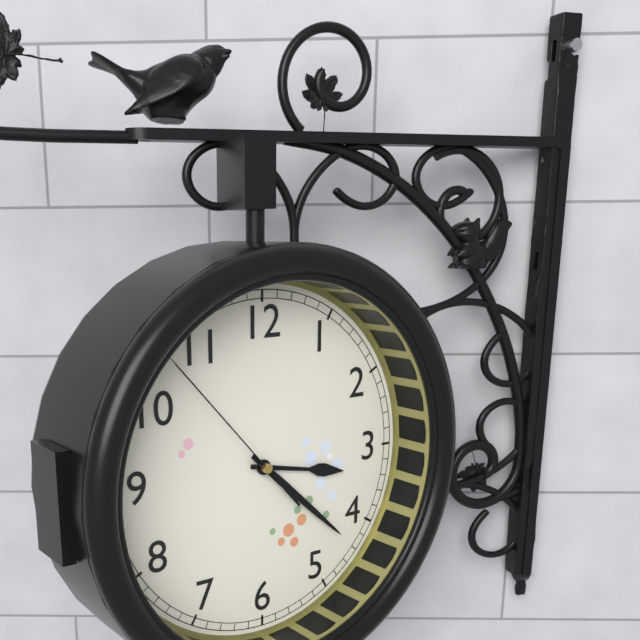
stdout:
3h22m53s
